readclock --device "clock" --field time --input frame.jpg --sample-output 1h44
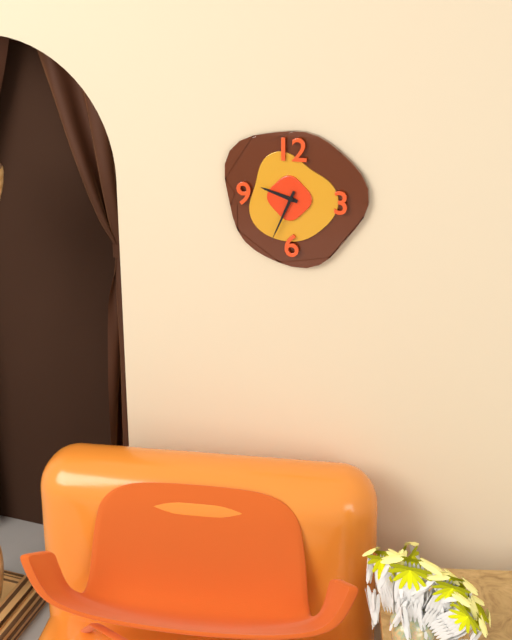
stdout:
9h34
